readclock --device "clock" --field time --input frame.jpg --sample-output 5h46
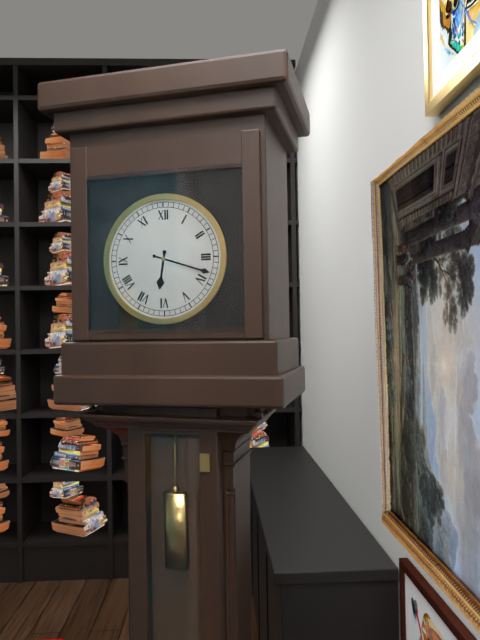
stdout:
6h18
